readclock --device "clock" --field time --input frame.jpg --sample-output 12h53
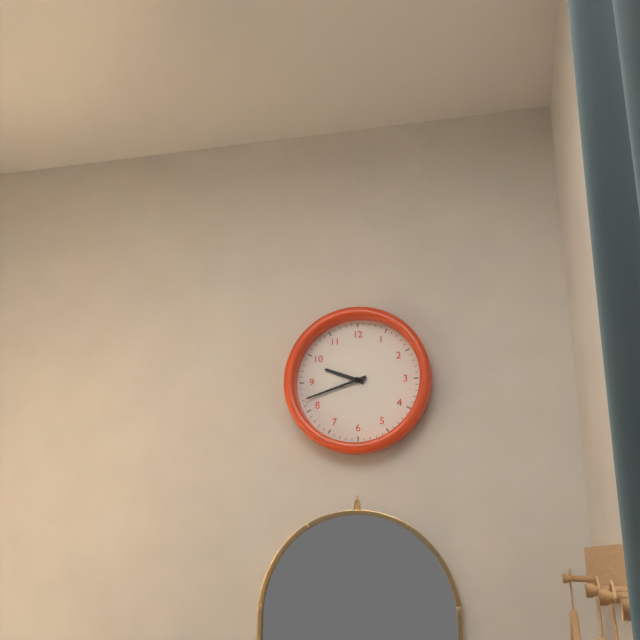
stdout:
9h42
